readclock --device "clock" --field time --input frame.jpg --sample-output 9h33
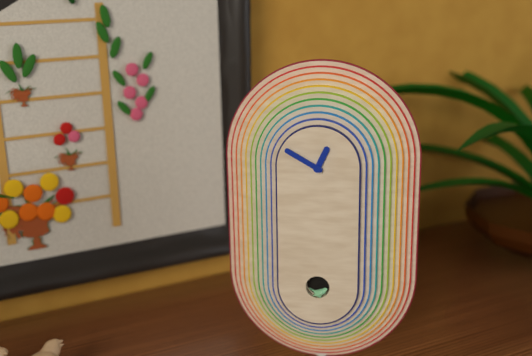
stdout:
12h50
